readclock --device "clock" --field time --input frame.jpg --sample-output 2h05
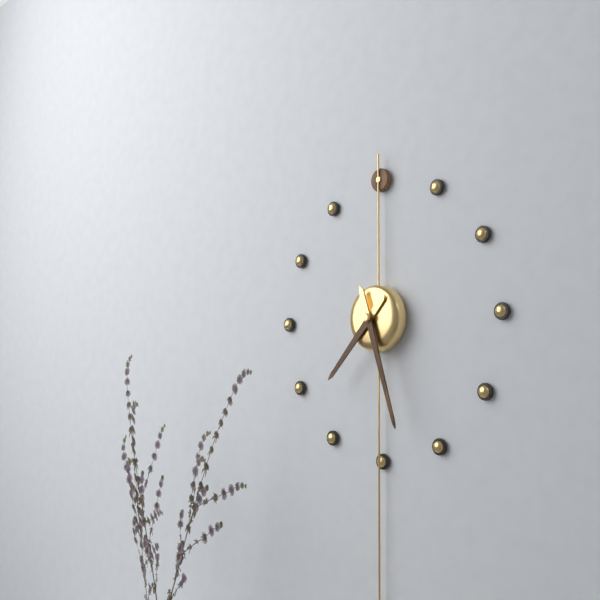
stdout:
7h27
